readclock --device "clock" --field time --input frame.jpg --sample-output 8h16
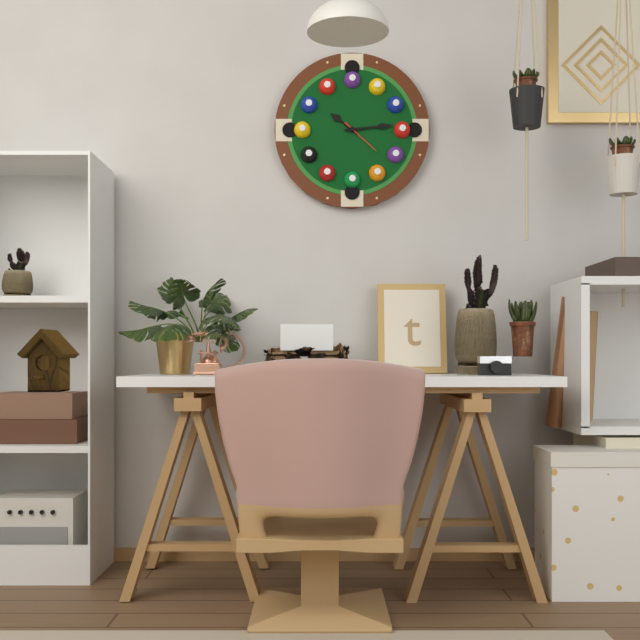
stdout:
10h14
